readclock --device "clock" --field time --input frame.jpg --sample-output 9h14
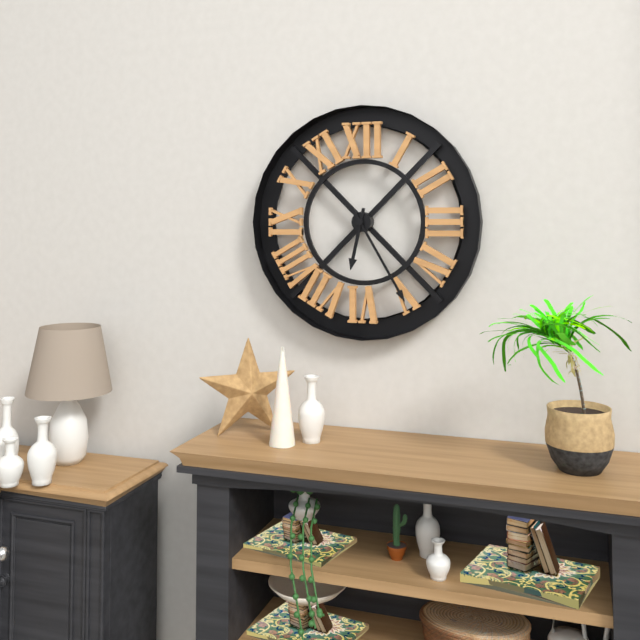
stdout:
6h25
